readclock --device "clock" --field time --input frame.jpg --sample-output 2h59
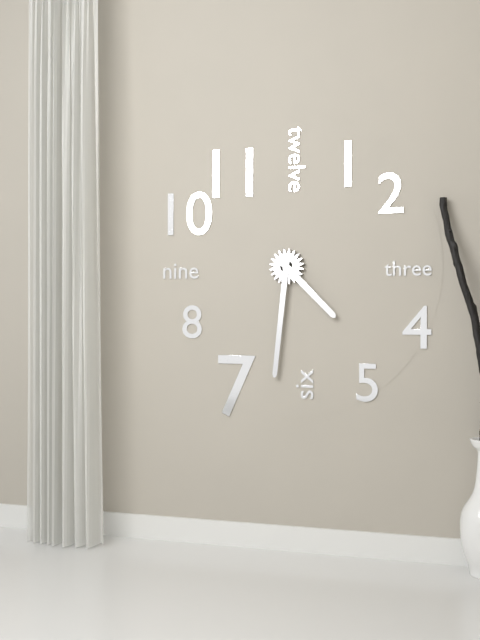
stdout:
4h31
